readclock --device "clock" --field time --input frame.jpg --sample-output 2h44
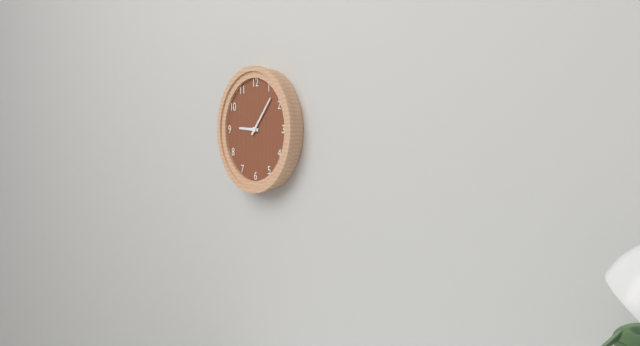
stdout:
9h07
